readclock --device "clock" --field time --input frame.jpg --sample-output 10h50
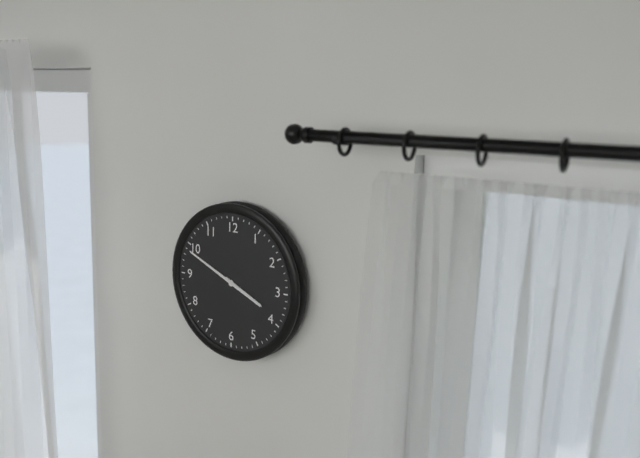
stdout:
3h49
